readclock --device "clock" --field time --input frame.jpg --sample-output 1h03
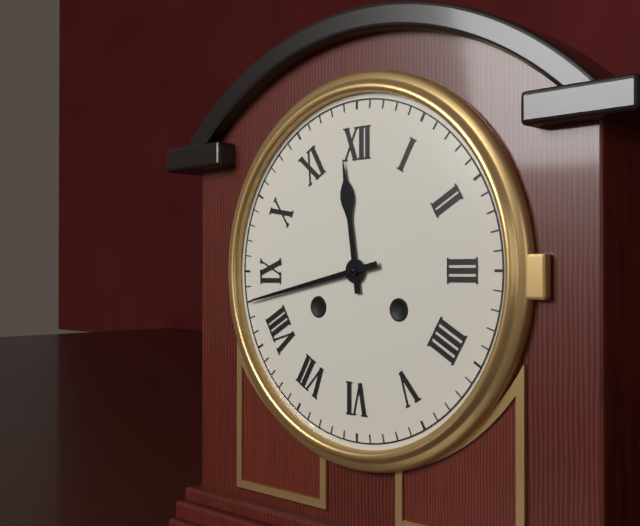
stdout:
11h43
